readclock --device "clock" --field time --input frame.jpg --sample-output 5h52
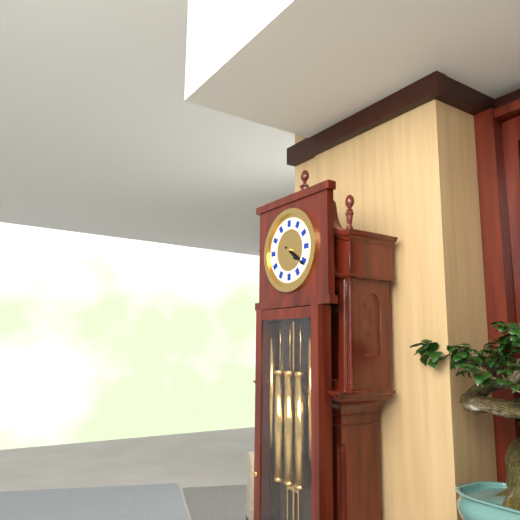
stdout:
4h21
